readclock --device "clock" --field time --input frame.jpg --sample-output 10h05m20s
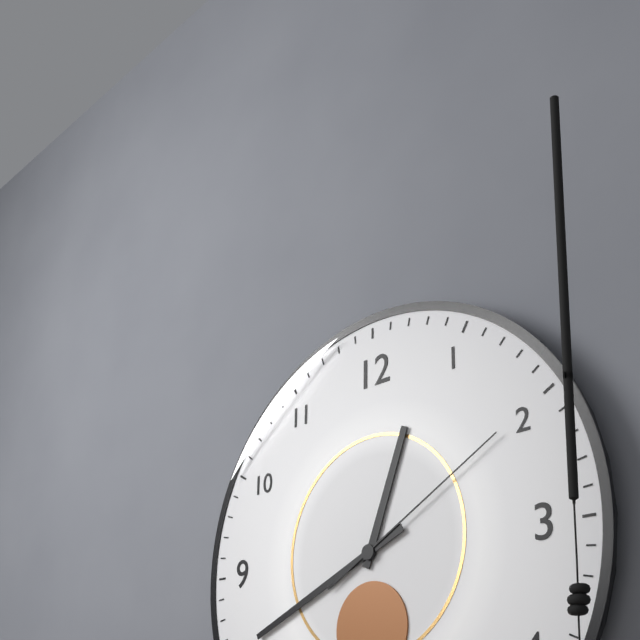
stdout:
12h41m10s
